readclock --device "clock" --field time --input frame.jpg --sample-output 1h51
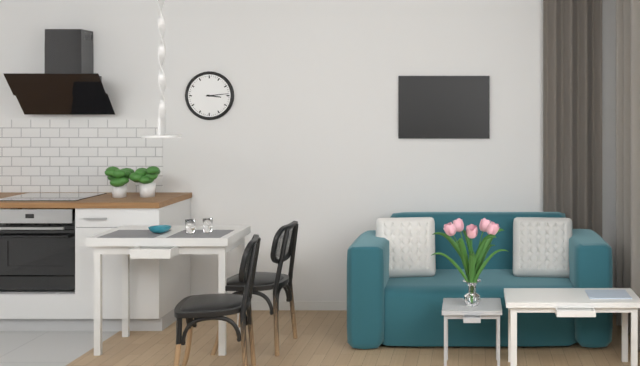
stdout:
3h14
